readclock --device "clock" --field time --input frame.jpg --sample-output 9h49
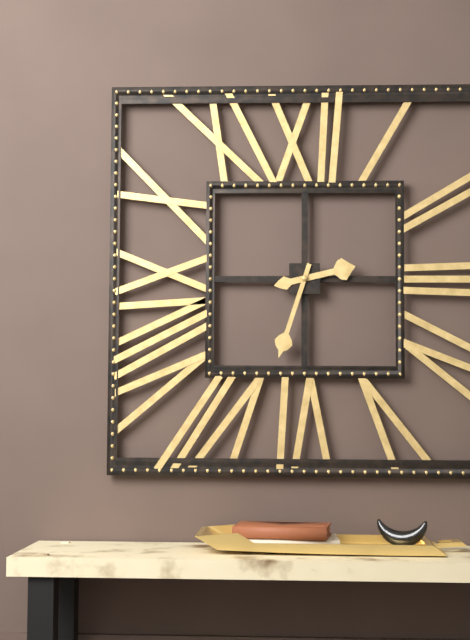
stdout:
2h33
